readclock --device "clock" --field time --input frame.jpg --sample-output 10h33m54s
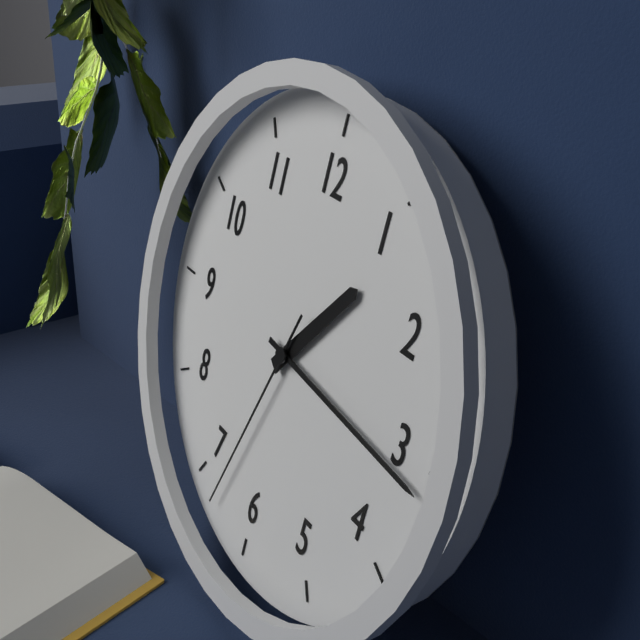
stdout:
1h16m33s
